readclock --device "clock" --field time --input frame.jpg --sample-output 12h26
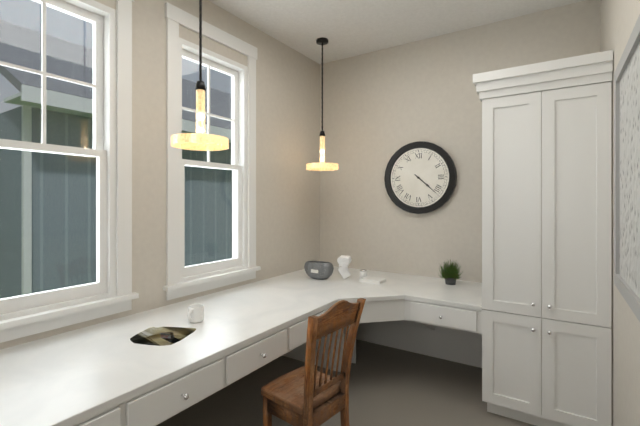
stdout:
4h22
